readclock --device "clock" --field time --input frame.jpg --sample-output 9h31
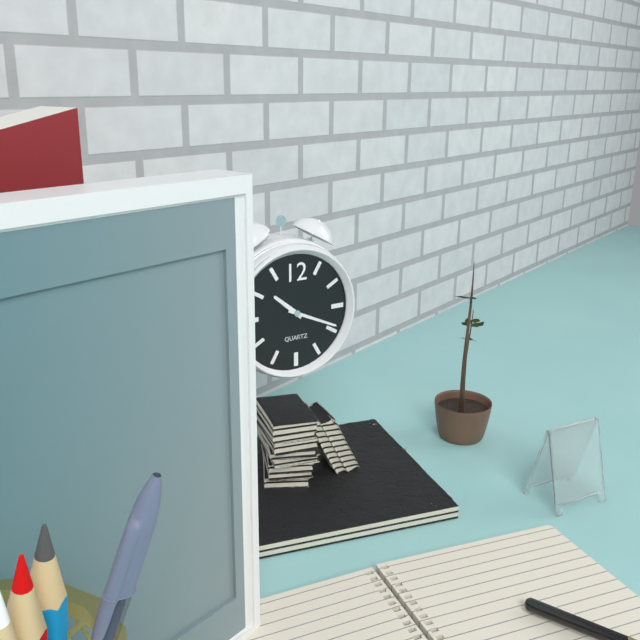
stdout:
10h19
